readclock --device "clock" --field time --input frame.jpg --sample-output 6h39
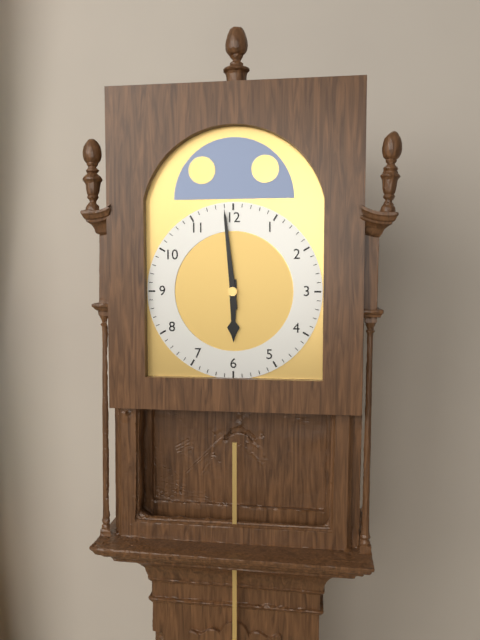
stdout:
5h59
